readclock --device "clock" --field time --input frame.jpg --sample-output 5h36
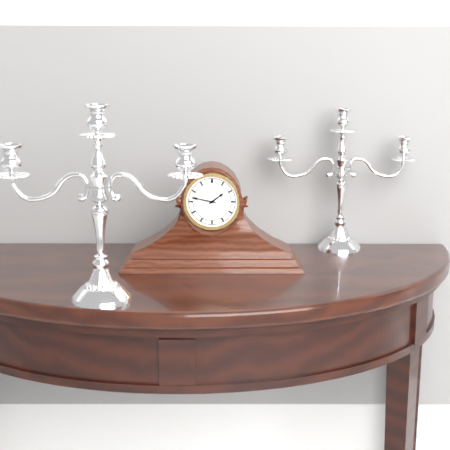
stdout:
1h47
